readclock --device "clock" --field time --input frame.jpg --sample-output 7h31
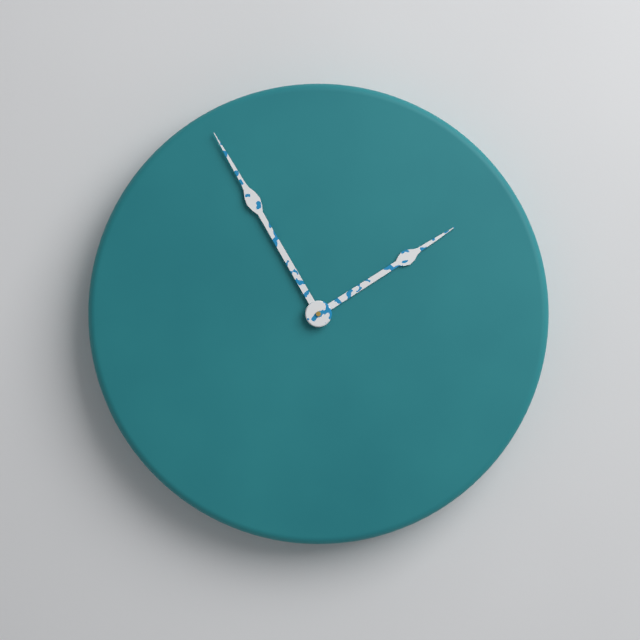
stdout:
1h55
